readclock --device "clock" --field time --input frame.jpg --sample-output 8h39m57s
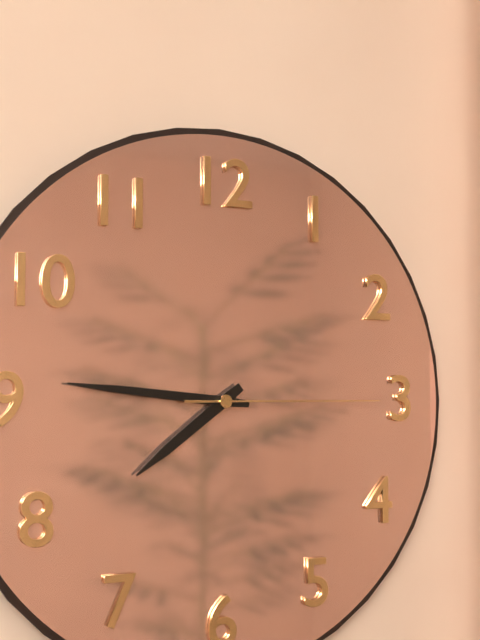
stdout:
7h46m15s
